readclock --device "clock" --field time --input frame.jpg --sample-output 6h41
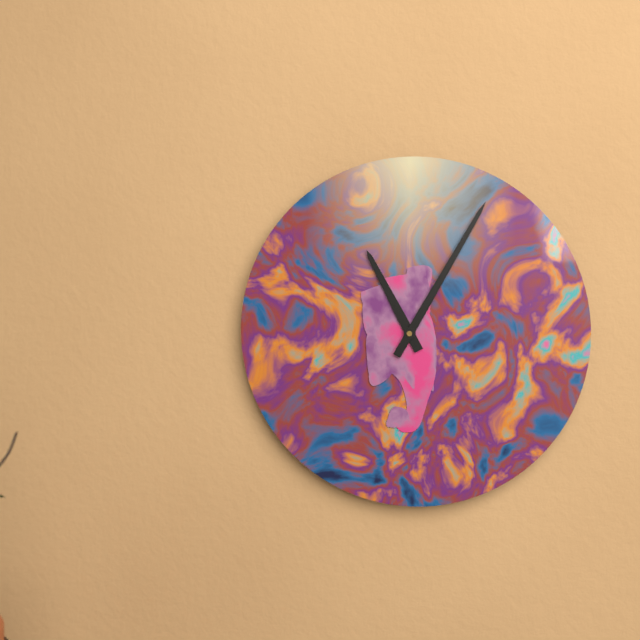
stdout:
11h05
